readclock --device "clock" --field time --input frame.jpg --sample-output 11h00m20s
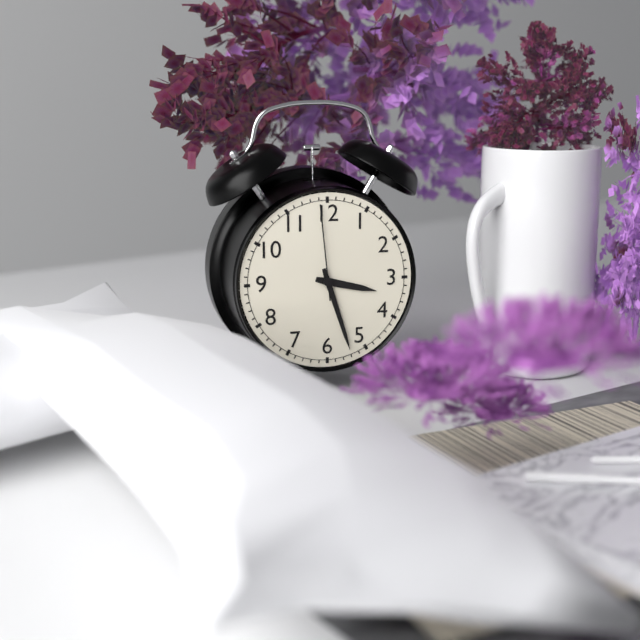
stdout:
3h27m59s
